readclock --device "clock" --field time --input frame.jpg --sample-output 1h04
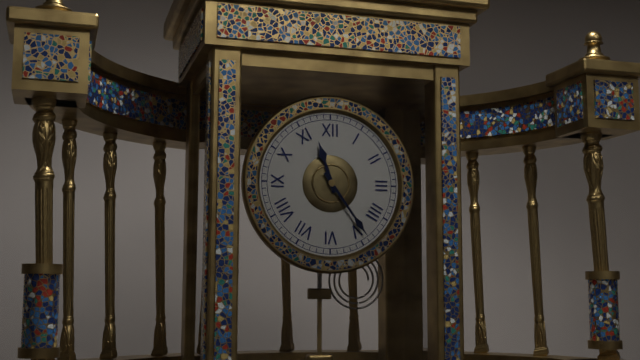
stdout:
11h24
